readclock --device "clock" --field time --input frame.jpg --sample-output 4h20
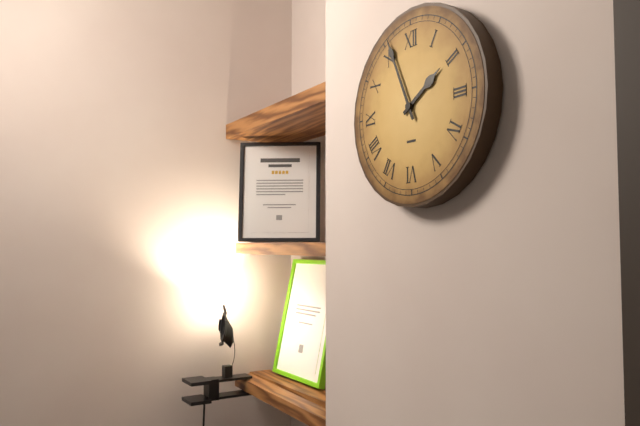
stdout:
1h56
